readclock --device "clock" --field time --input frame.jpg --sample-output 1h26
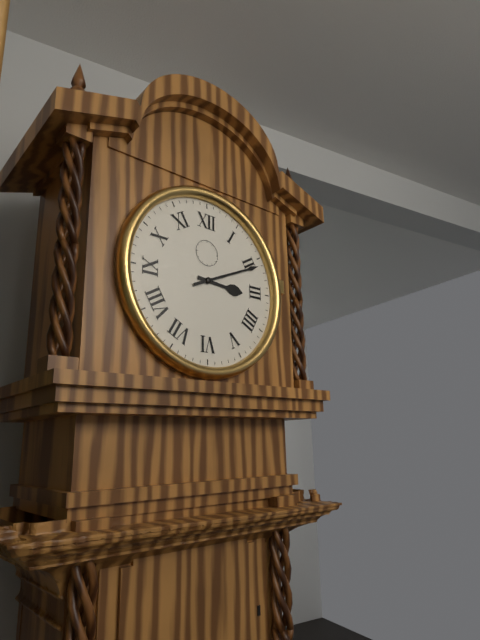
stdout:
3h11
